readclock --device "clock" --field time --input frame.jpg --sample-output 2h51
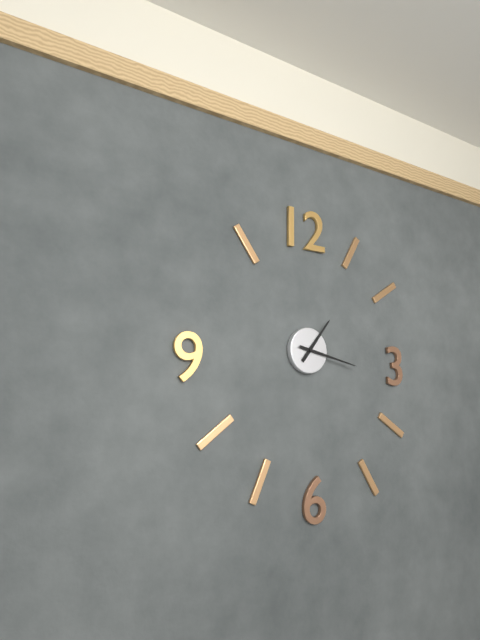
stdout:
1h17
